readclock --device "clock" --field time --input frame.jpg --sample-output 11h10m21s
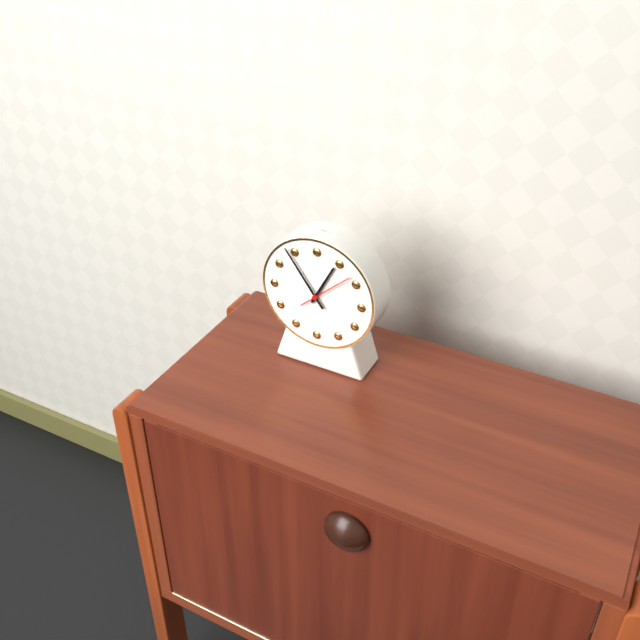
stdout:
12h54m08s
